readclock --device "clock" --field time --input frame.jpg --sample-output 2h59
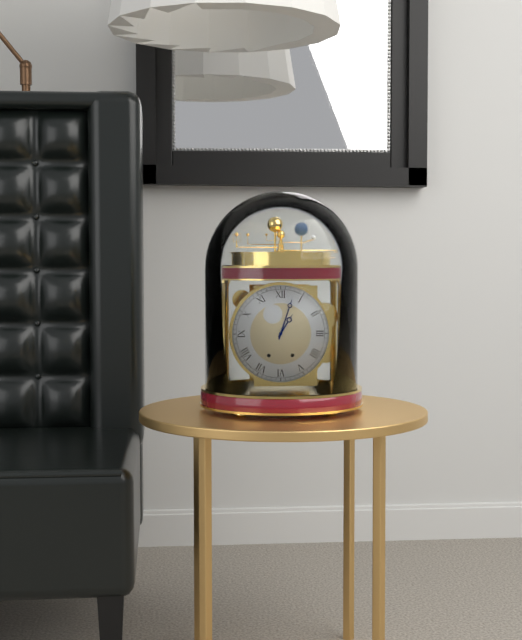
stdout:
1h03
